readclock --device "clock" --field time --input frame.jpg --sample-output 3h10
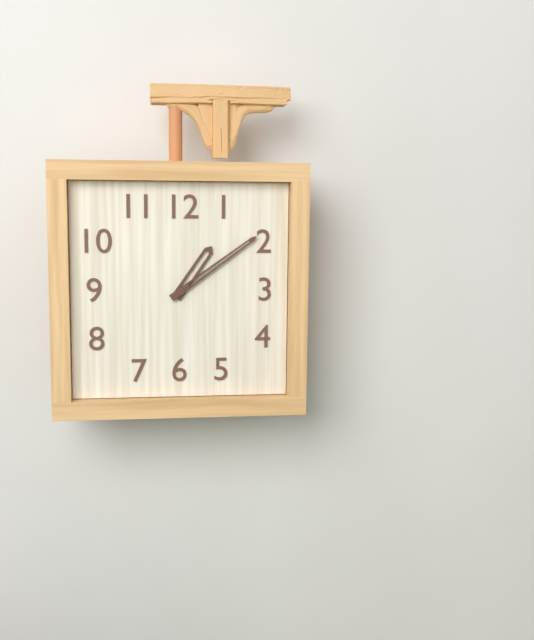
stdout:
1h09
